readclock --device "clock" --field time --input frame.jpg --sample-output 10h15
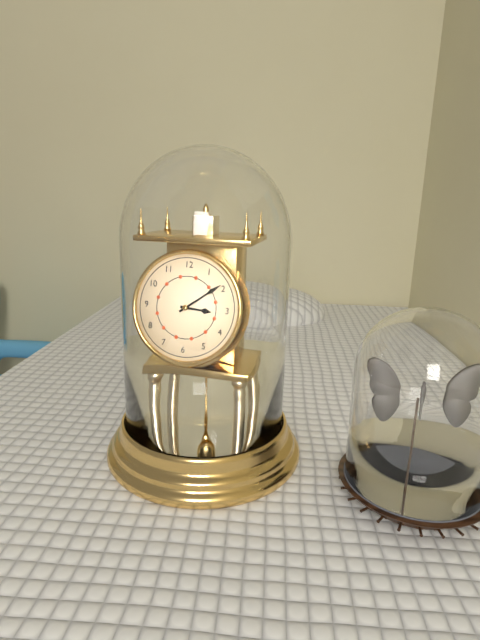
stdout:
3h09
